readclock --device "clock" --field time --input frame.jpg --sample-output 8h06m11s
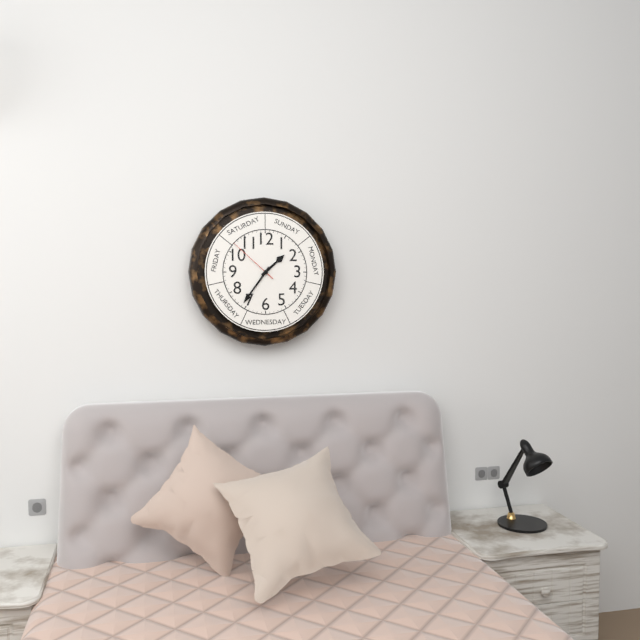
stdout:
1h36m52s
